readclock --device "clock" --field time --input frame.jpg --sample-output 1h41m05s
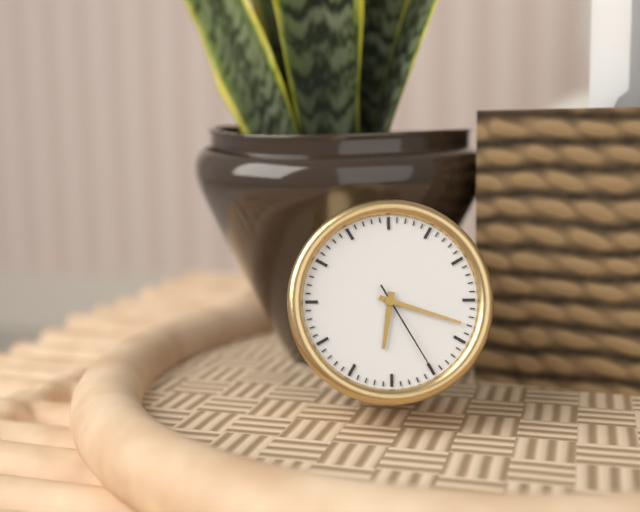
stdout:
6h18m25s
